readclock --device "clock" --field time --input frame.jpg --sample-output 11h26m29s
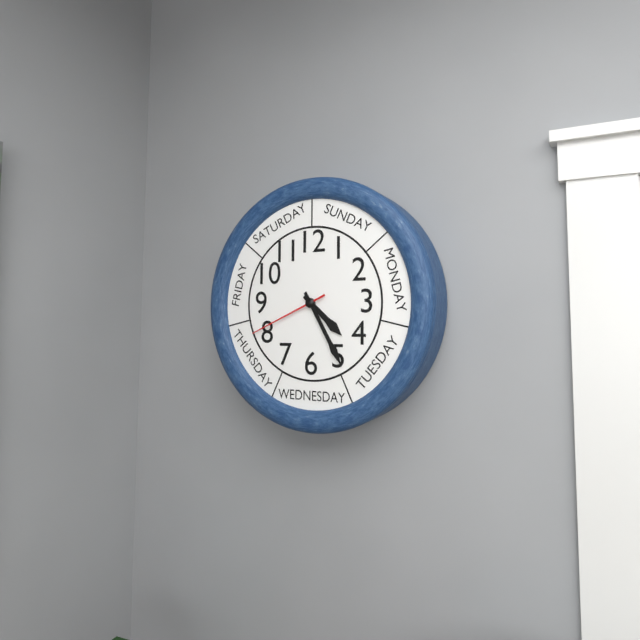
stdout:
4h25m41s
